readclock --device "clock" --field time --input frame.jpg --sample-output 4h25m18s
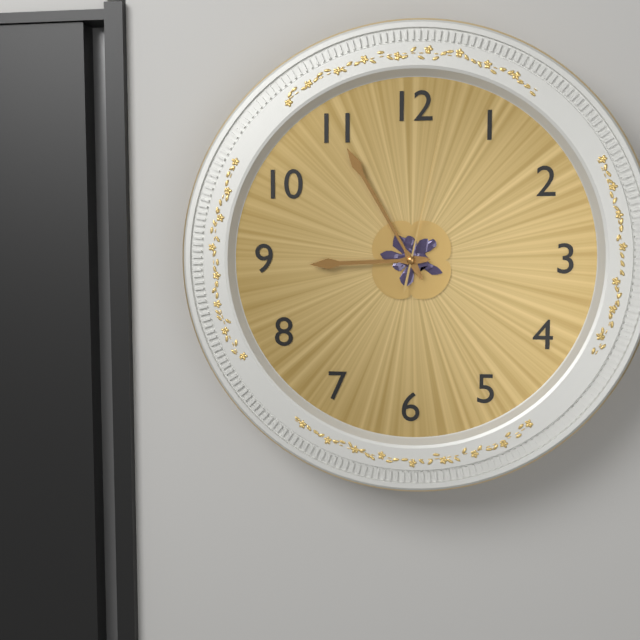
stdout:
8h55m02s
